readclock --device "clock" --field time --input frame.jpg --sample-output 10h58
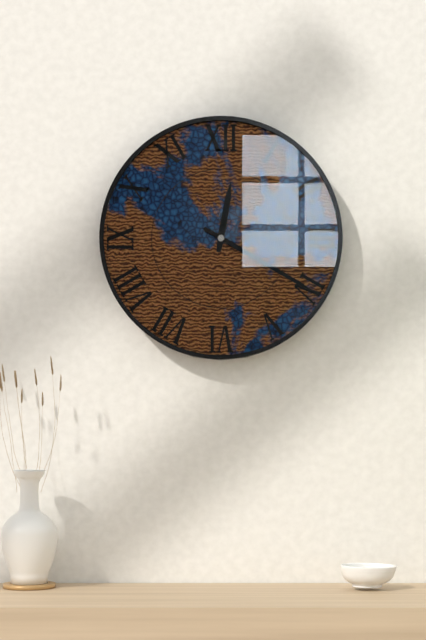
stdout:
12h20
